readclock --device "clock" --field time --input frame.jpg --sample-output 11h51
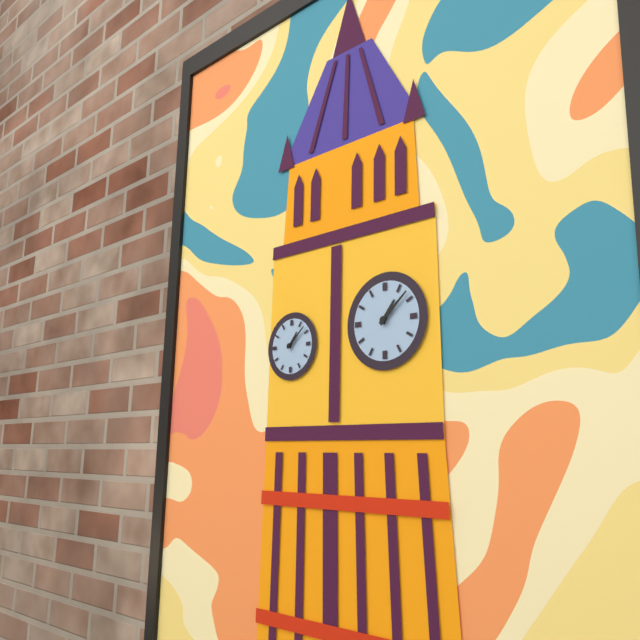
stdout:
1h08
